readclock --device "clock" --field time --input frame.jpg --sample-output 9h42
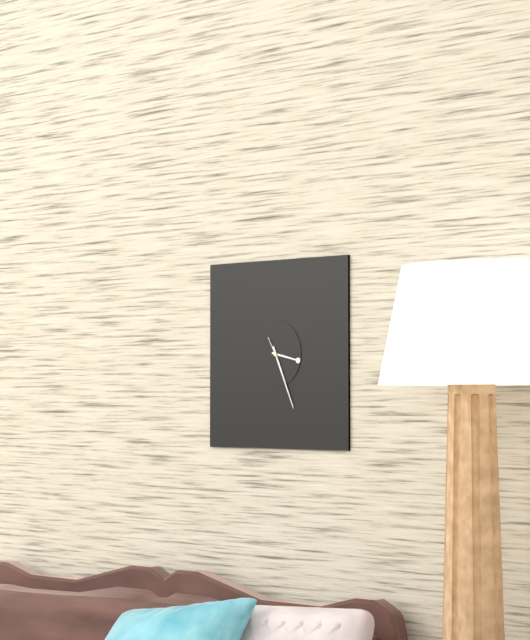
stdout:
3h26
